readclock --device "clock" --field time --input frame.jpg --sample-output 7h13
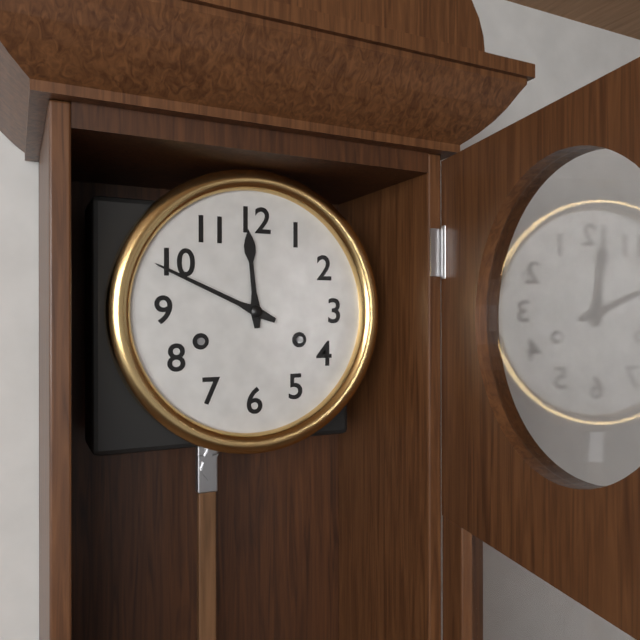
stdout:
11h49
